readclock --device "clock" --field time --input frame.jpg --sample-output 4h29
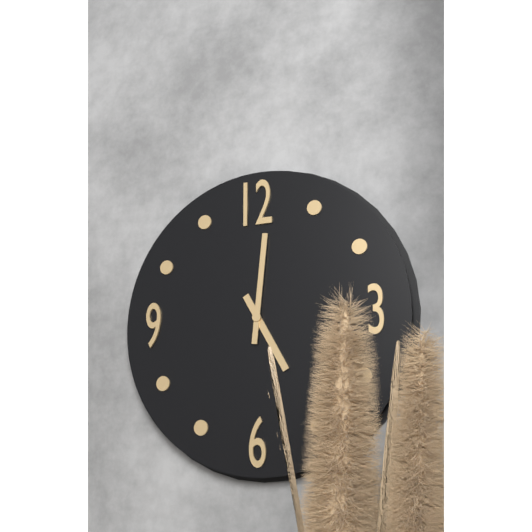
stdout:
5h01
